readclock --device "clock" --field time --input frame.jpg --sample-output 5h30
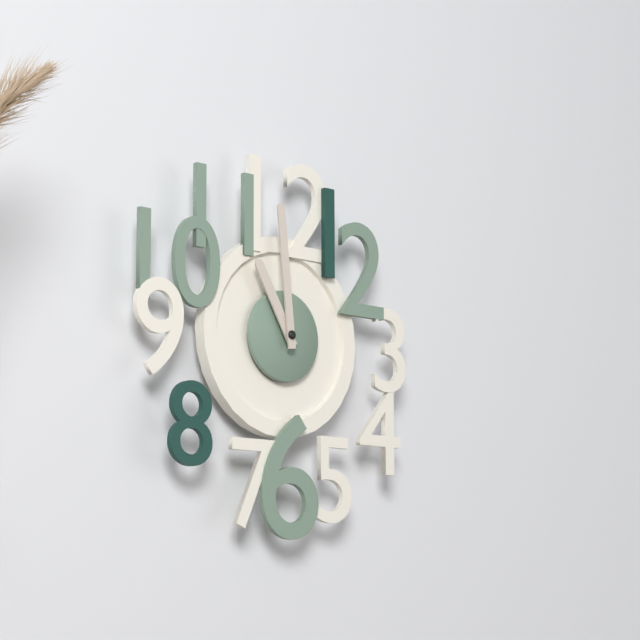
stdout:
10h59
